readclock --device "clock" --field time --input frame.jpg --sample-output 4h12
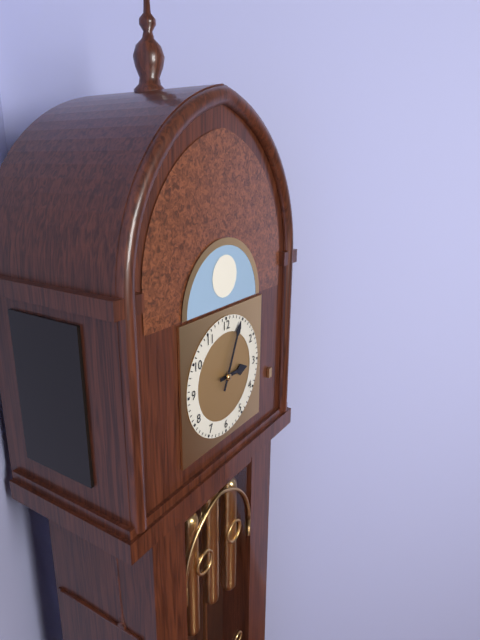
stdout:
3h04
